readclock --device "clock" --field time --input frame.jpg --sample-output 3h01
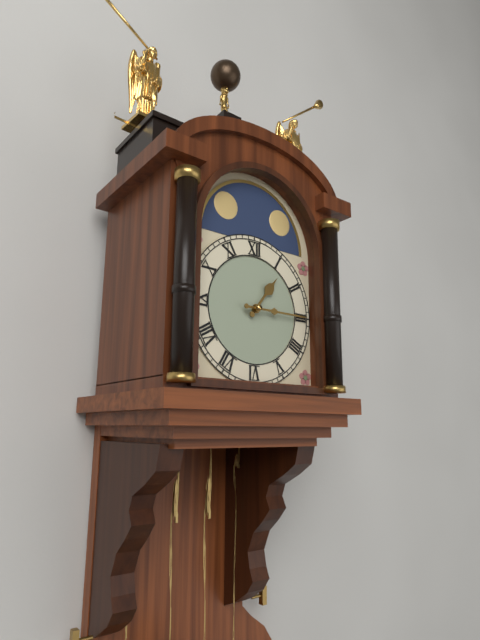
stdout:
1h15
